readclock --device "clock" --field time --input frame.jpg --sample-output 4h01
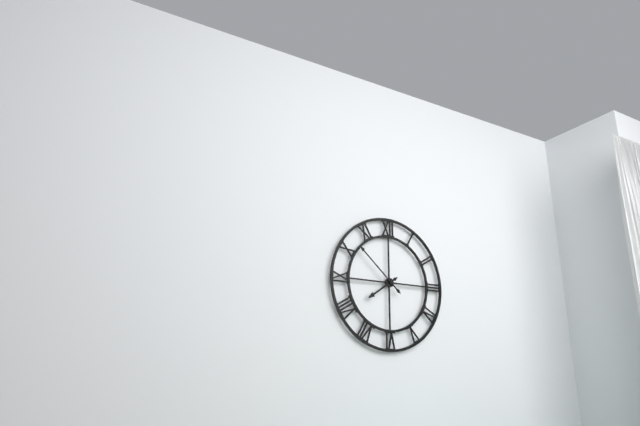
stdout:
7h52
